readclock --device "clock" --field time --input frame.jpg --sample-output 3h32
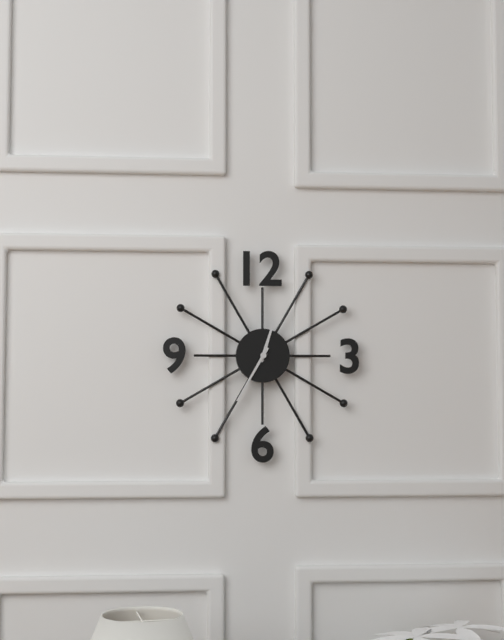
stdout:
12h35
